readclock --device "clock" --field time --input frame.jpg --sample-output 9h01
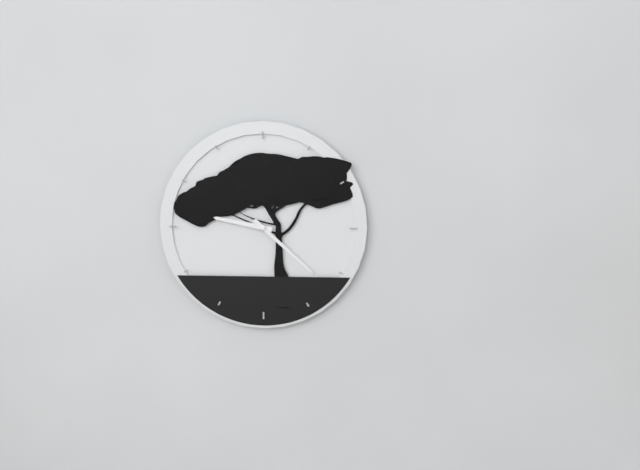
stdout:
9h22
